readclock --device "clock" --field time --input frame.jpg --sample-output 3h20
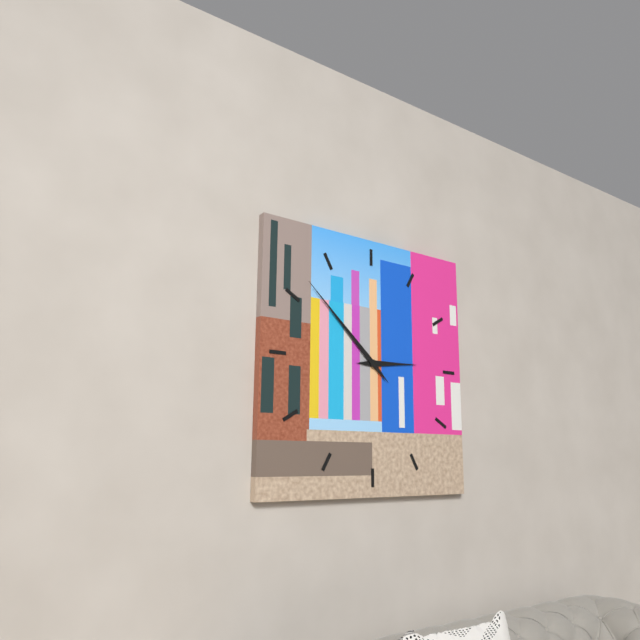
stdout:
2h52
